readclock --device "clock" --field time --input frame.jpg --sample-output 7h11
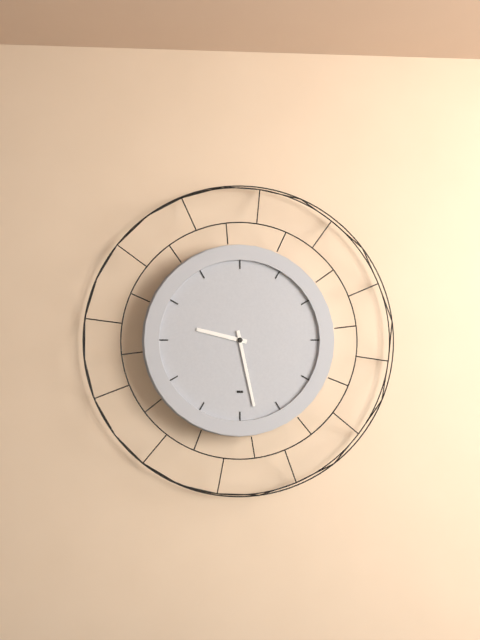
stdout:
9h28
